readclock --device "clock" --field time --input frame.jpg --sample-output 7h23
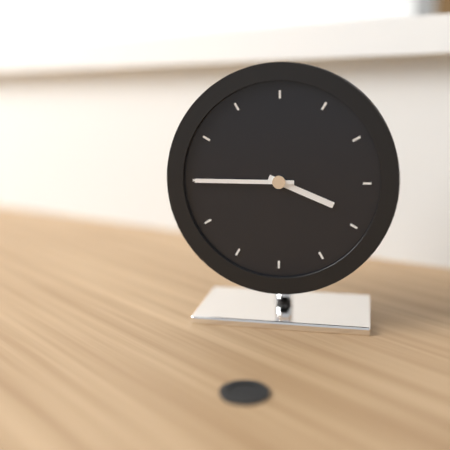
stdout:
3h45
